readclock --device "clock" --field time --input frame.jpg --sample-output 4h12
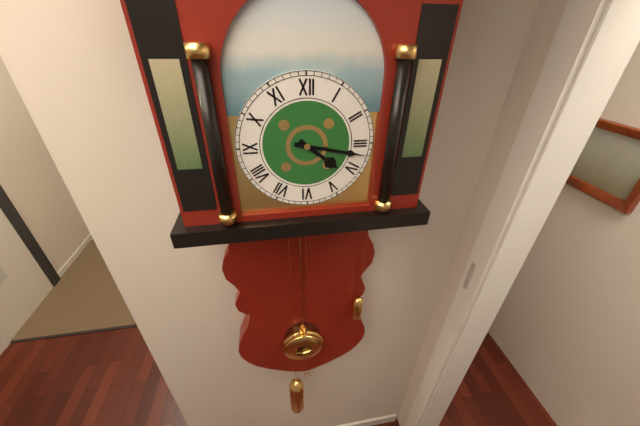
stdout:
4h17
